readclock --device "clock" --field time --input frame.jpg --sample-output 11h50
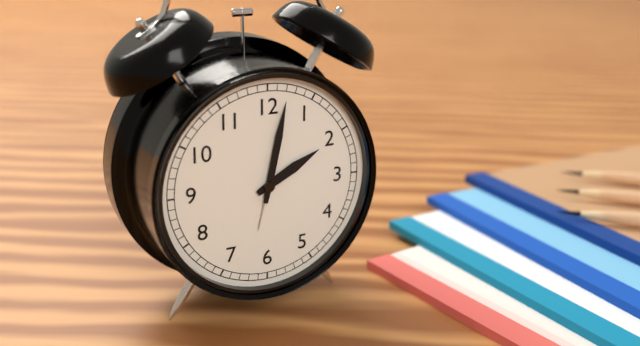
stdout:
2h02
